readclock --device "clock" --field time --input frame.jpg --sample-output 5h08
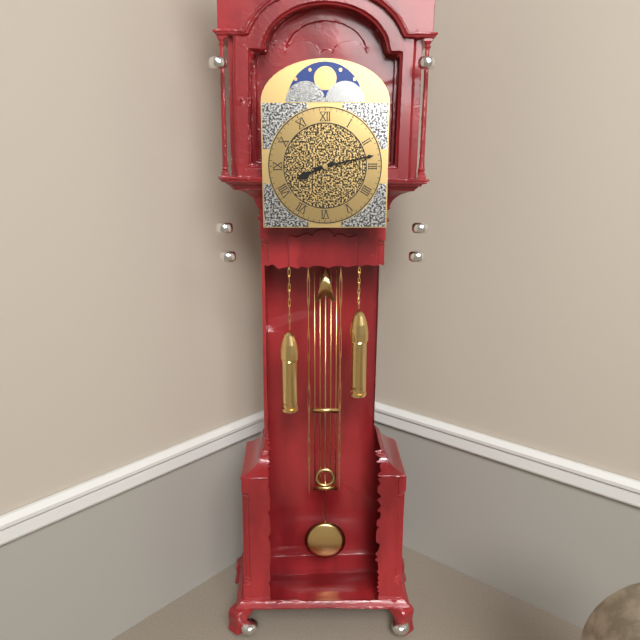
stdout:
8h13
